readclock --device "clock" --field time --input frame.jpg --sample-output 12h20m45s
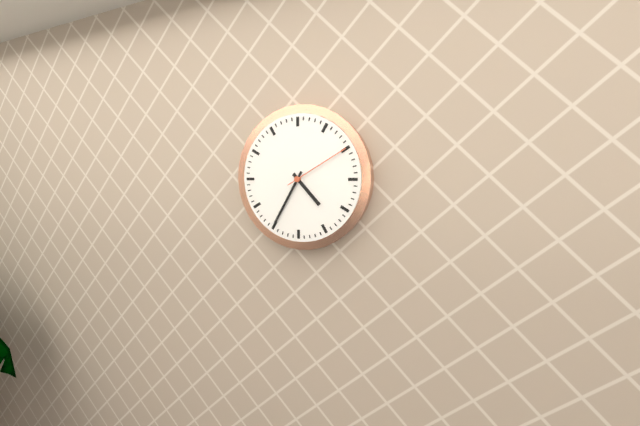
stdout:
4h35m10s
